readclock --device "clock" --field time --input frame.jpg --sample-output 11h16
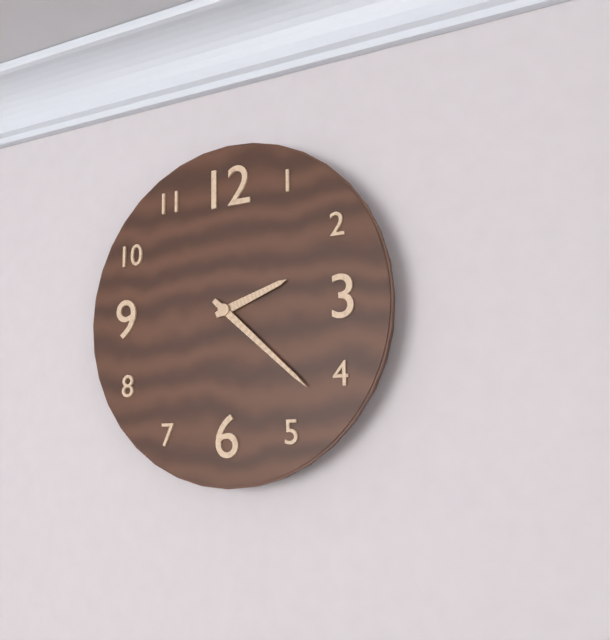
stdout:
2h22
